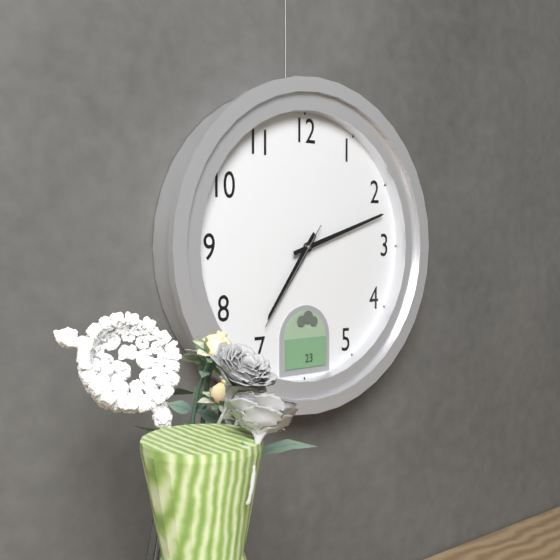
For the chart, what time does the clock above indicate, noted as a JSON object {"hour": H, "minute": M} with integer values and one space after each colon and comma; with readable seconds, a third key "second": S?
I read {"hour": 7, "minute": 12, "second": 36}
